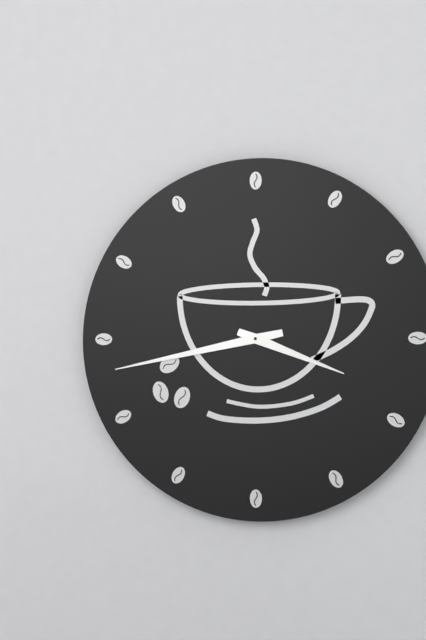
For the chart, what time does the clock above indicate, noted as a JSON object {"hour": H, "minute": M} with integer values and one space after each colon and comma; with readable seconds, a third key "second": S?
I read {"hour": 3, "minute": 43}
